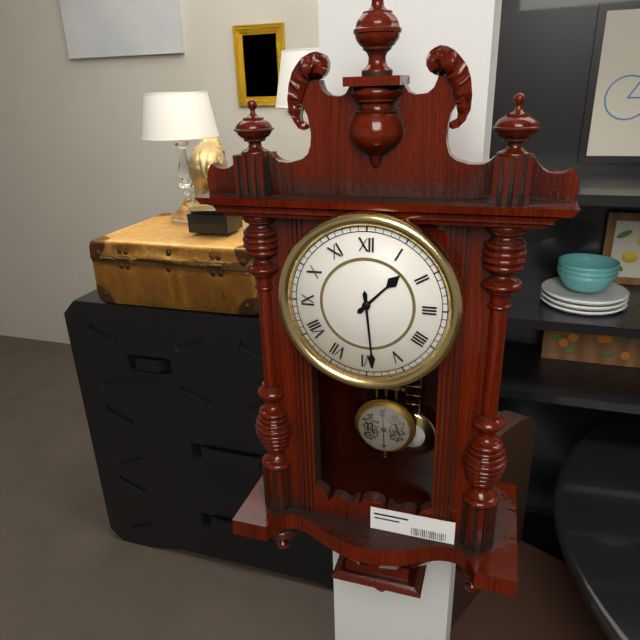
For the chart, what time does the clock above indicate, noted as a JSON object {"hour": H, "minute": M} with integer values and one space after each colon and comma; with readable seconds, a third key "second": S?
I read {"hour": 1, "minute": 29}
